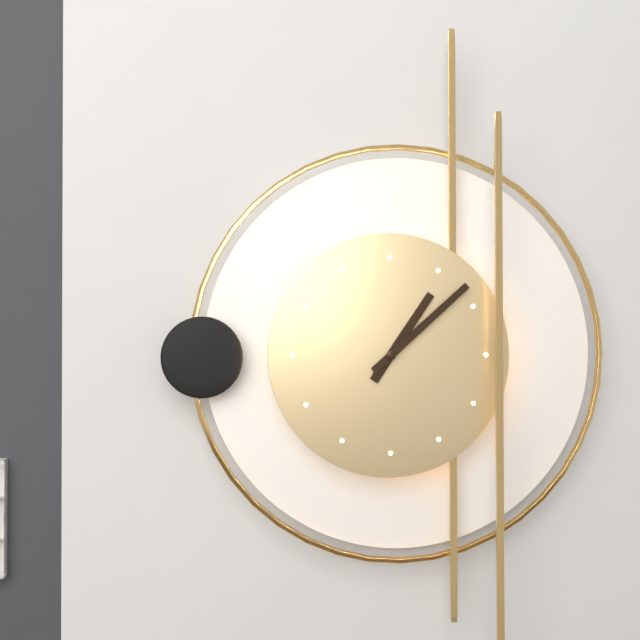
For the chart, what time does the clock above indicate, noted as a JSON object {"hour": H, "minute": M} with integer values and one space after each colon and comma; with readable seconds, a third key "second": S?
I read {"hour": 1, "minute": 8}
